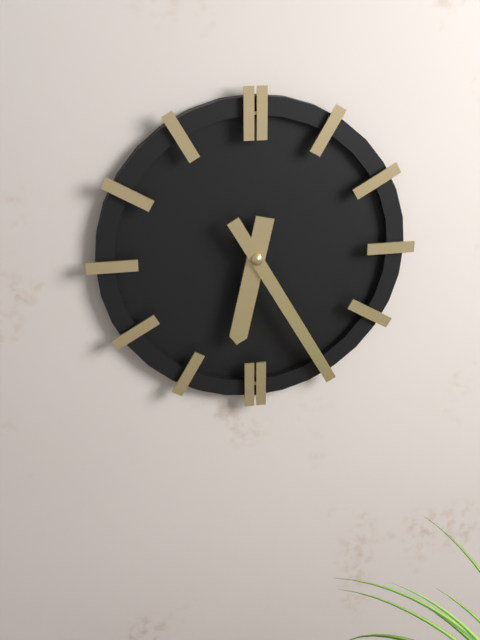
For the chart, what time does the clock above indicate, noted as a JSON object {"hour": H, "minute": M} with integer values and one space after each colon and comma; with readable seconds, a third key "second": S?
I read {"hour": 6, "minute": 25}
